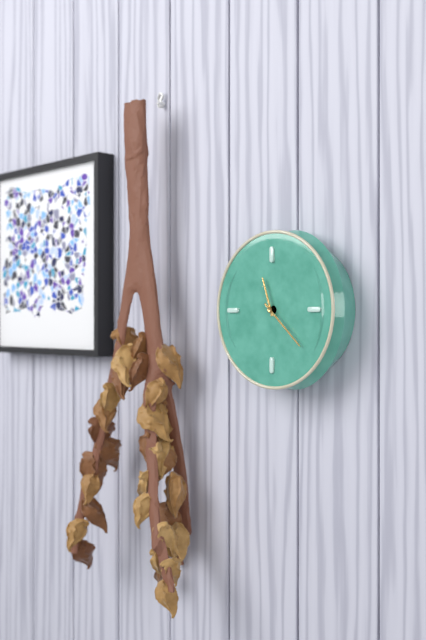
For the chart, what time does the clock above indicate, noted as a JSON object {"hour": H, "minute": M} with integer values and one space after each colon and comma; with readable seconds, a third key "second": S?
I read {"hour": 11, "minute": 22}
